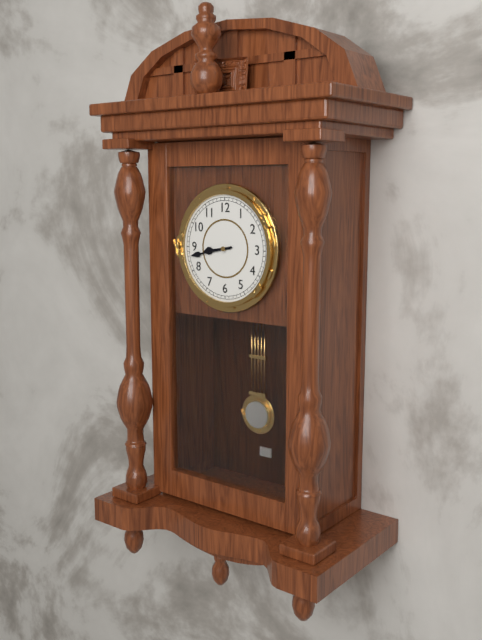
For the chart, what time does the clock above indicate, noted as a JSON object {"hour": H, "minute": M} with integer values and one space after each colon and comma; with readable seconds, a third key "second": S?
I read {"hour": 8, "minute": 43}
